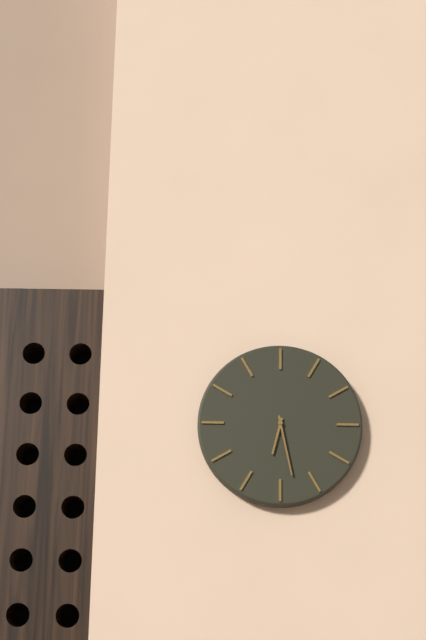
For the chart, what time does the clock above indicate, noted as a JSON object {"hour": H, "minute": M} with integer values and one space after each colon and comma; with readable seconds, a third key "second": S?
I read {"hour": 6, "minute": 28}
